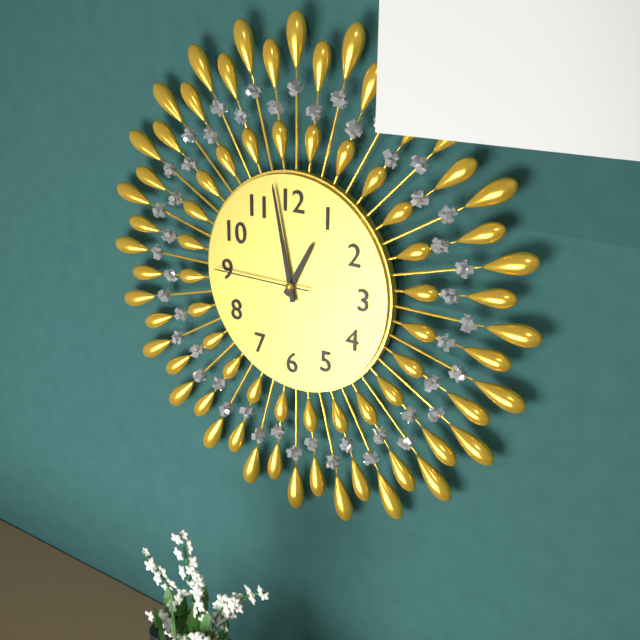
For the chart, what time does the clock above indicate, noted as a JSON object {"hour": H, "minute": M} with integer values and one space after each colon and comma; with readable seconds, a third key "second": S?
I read {"hour": 12, "minute": 58, "second": 45}
